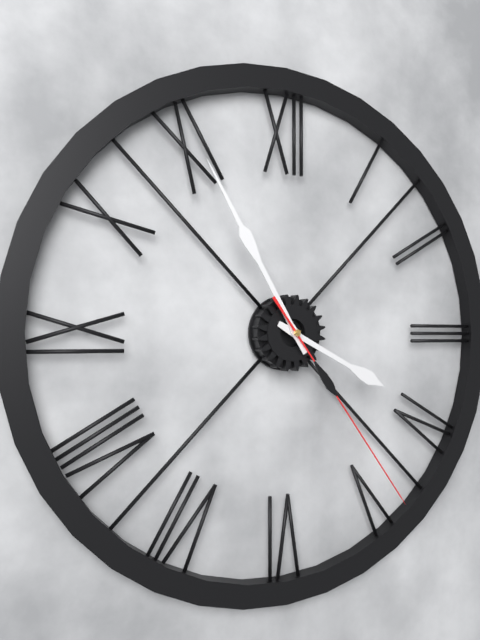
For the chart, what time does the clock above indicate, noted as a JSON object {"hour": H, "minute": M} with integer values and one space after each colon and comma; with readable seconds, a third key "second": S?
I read {"hour": 3, "minute": 55, "second": 24}
